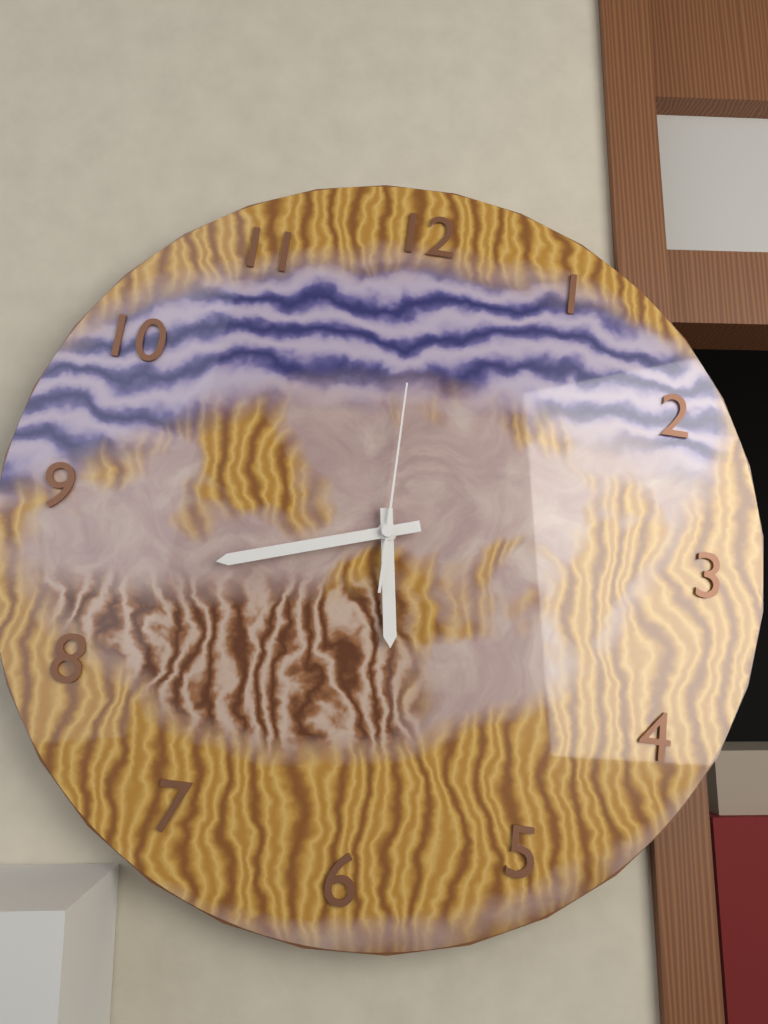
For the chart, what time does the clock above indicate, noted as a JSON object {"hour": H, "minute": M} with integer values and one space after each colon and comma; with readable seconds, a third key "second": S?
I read {"hour": 5, "minute": 42, "second": 0}
